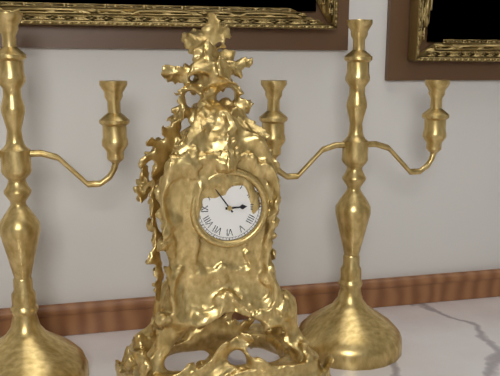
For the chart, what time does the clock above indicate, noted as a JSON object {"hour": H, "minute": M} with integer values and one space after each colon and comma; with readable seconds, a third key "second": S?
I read {"hour": 2, "minute": 54}
